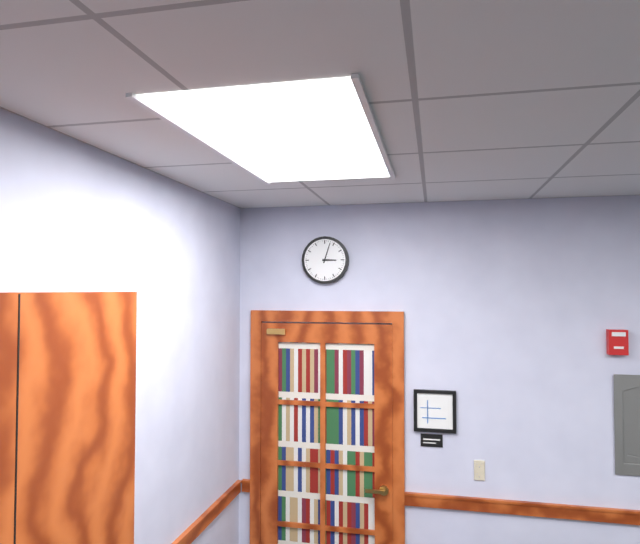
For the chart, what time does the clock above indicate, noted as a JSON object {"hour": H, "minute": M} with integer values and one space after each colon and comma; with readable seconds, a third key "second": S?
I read {"hour": 3, "minute": 3}
